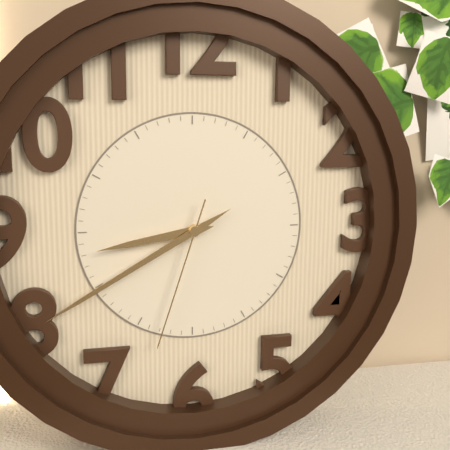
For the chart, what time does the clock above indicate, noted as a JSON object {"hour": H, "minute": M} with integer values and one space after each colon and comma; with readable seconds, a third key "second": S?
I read {"hour": 8, "minute": 40, "second": 33}
